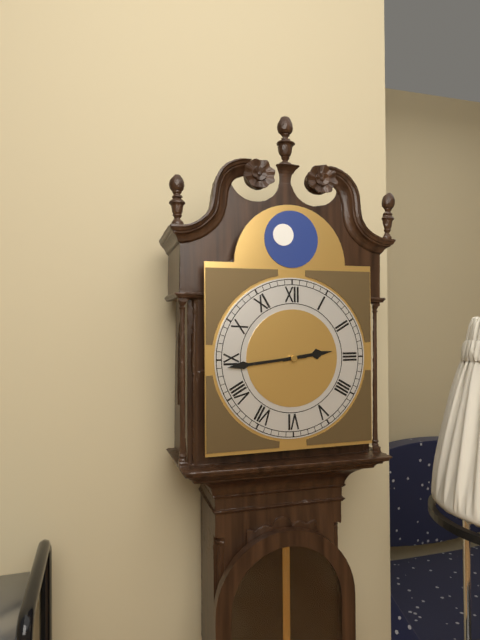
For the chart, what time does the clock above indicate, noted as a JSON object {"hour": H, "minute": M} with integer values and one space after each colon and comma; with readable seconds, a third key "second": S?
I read {"hour": 2, "minute": 44}
